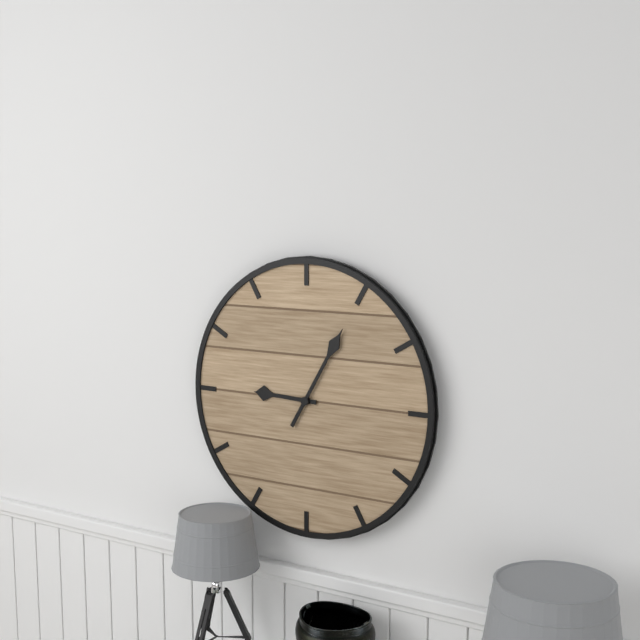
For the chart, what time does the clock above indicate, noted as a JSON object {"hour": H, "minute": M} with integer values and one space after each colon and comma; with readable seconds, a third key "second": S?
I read {"hour": 9, "minute": 5}
